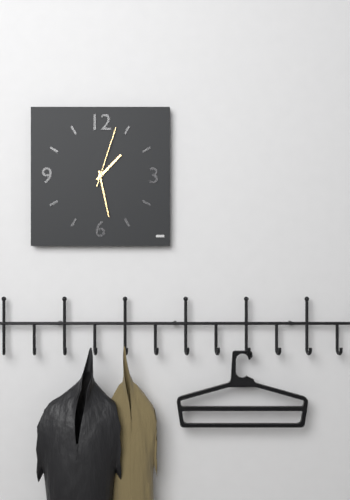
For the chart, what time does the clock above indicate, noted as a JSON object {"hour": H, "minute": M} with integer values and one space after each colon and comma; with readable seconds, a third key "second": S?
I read {"hour": 1, "minute": 28, "second": 3}
